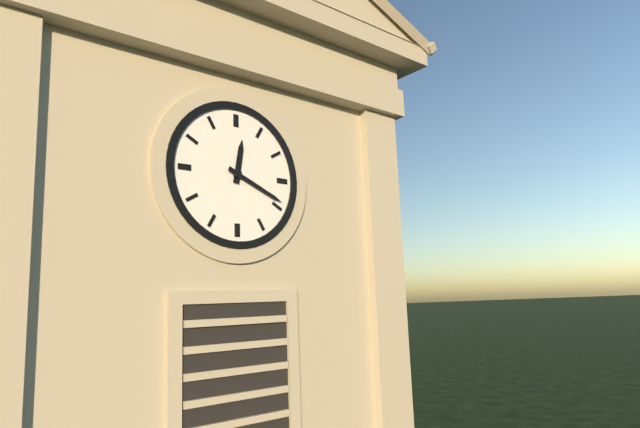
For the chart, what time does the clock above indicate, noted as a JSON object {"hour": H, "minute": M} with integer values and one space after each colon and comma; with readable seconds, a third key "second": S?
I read {"hour": 12, "minute": 19}
